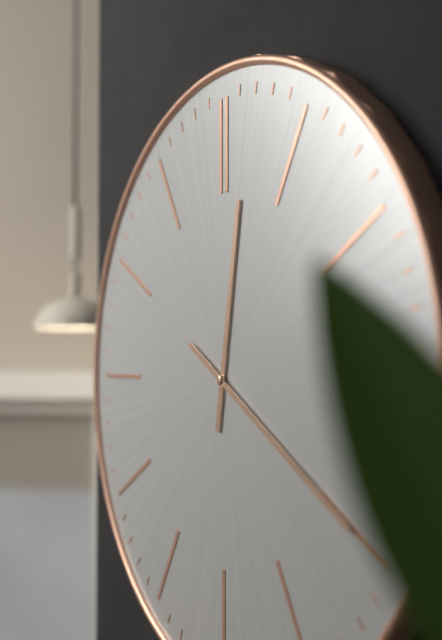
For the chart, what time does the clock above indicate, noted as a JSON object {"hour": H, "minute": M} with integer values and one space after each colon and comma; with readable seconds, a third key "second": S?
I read {"hour": 12, "minute": 20}
